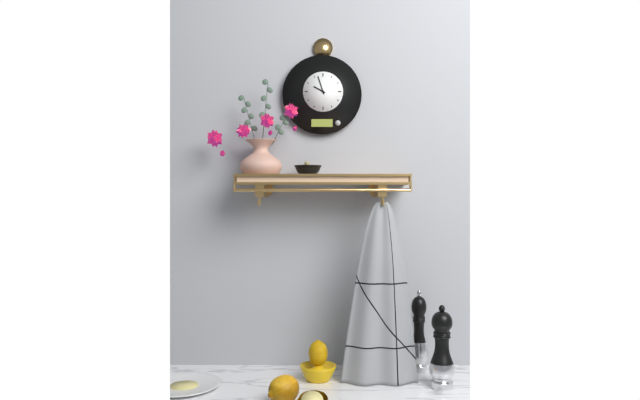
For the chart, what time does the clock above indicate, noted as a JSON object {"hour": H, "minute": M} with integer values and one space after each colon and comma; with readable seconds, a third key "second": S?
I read {"hour": 9, "minute": 57}
